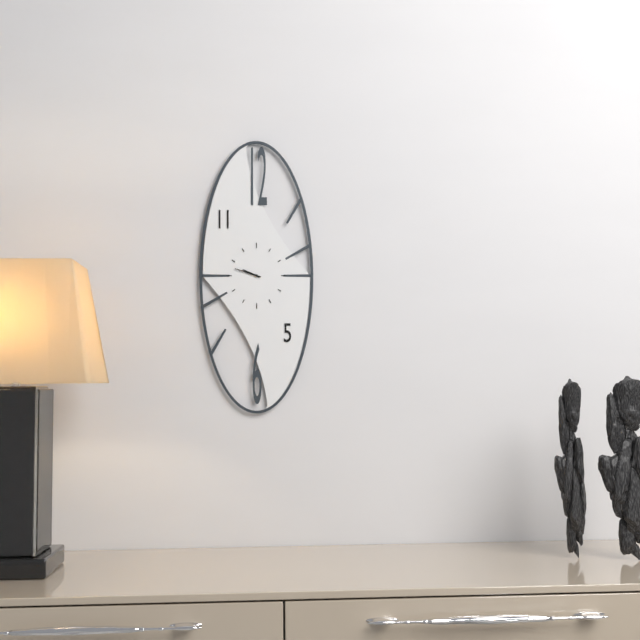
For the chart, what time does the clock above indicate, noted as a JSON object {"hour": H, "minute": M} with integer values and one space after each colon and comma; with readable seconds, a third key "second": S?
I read {"hour": 9, "minute": 48}
